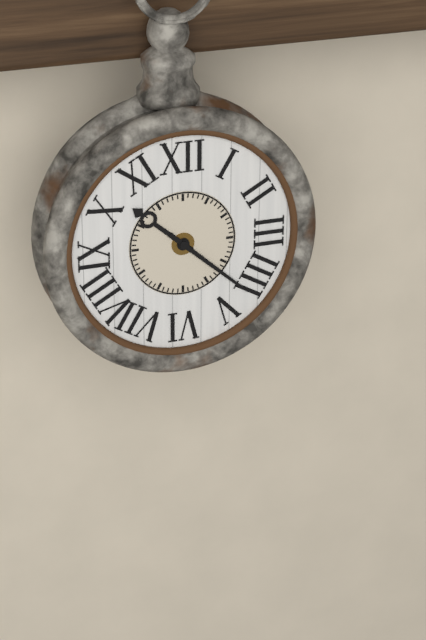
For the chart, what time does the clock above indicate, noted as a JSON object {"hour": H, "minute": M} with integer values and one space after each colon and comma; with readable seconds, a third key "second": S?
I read {"hour": 10, "minute": 22}
